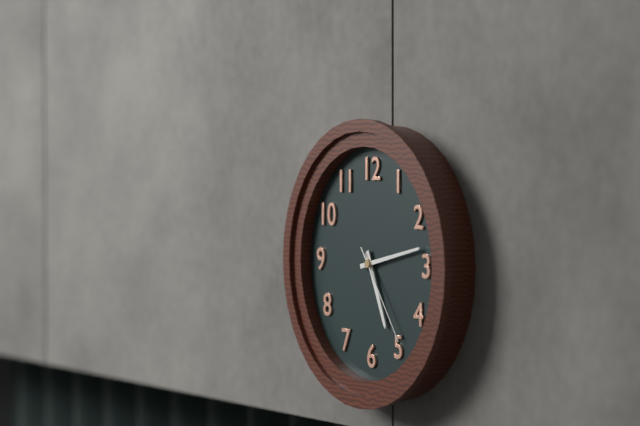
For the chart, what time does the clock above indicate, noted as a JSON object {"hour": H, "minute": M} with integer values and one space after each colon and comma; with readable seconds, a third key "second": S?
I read {"hour": 5, "minute": 13, "second": 24}
